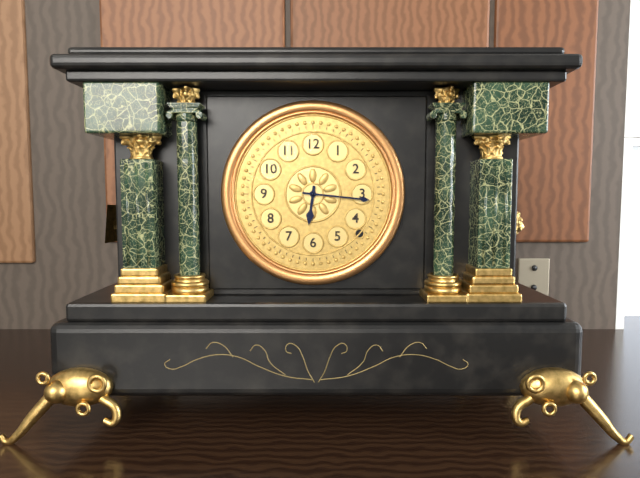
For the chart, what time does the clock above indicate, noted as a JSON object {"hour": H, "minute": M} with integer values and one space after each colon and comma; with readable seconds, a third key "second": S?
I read {"hour": 6, "minute": 16}
